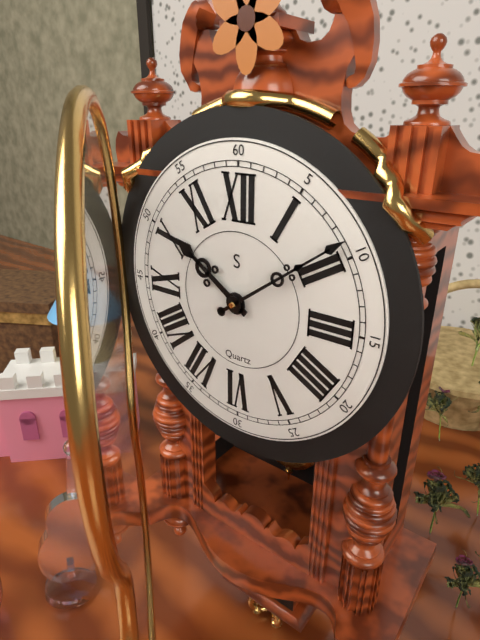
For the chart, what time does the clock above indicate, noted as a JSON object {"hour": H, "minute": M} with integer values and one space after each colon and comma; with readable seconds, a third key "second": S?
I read {"hour": 10, "minute": 9}
